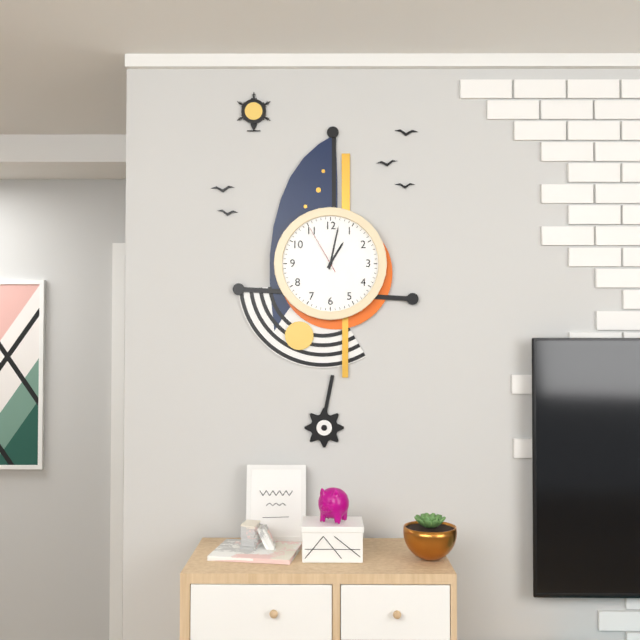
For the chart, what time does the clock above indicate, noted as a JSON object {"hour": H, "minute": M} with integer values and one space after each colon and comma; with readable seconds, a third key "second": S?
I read {"hour": 1, "minute": 2, "second": 55}
